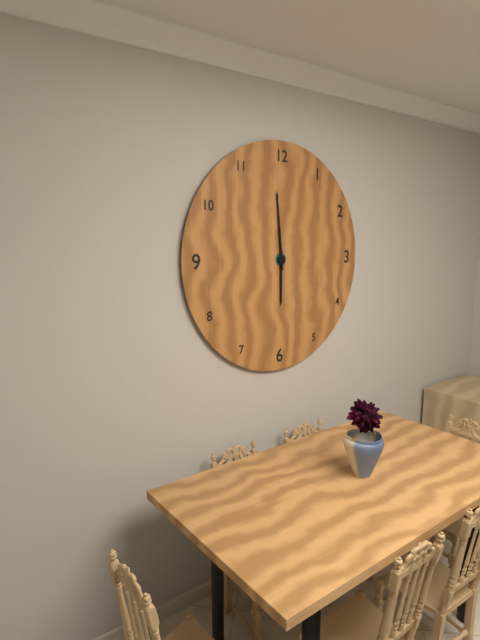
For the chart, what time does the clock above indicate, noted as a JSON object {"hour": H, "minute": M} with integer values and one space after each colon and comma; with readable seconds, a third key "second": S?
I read {"hour": 5, "minute": 59}
